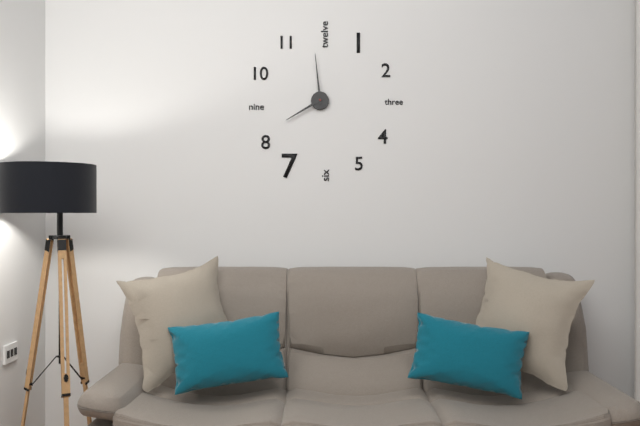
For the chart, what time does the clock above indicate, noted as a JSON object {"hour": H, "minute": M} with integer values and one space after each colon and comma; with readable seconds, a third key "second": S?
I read {"hour": 7, "minute": 59}
